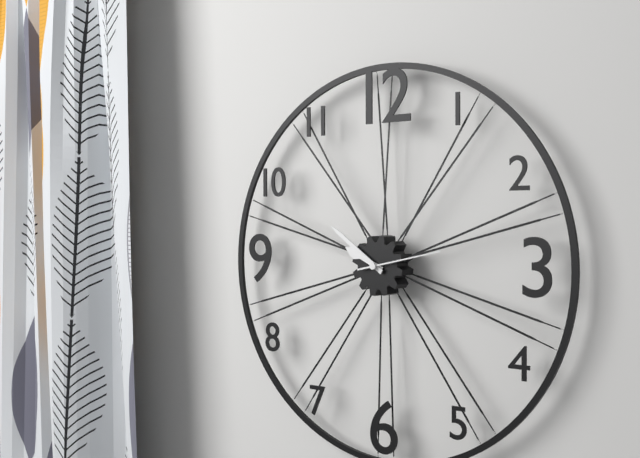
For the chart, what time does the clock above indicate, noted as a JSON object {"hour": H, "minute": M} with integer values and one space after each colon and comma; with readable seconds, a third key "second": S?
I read {"hour": 9, "minute": 51, "second": 13}
